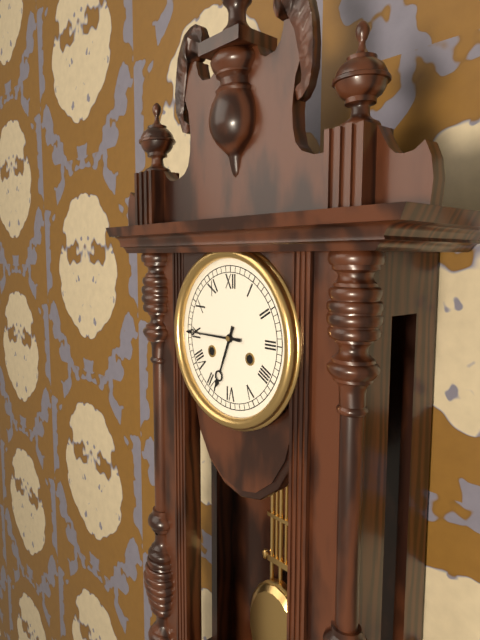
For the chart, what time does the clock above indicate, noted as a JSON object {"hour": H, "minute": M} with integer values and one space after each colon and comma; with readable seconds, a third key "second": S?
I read {"hour": 6, "minute": 45}
